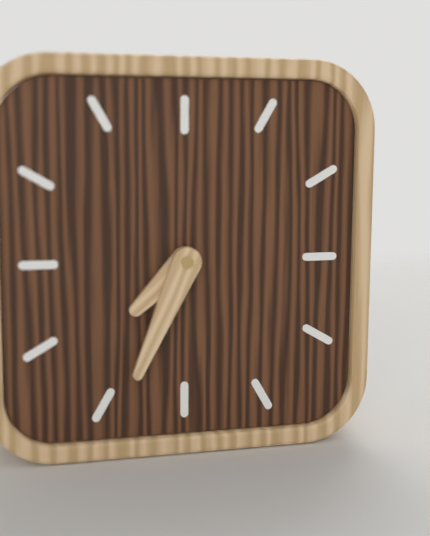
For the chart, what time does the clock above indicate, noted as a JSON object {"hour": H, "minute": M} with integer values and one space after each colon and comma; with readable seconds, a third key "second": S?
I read {"hour": 7, "minute": 34}
